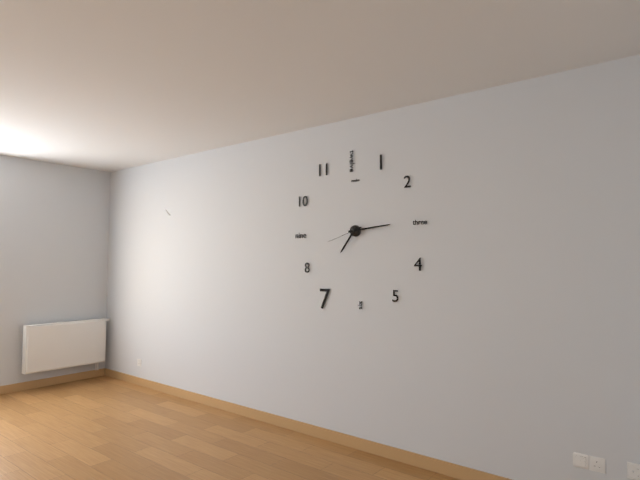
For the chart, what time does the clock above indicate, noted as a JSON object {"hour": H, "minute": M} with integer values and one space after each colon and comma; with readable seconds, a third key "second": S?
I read {"hour": 7, "minute": 14}
